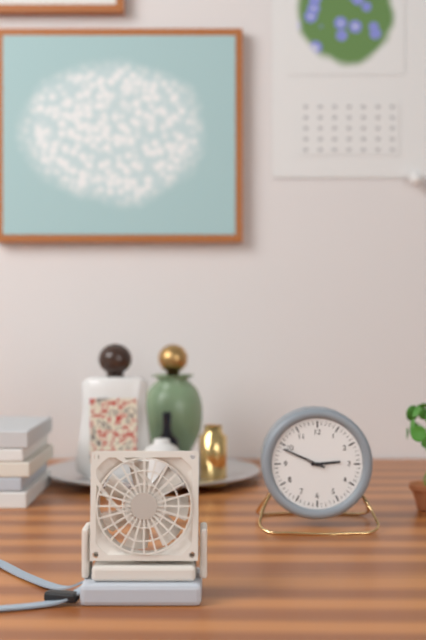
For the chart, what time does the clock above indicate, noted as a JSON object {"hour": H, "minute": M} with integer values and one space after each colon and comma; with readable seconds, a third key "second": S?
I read {"hour": 2, "minute": 49}
